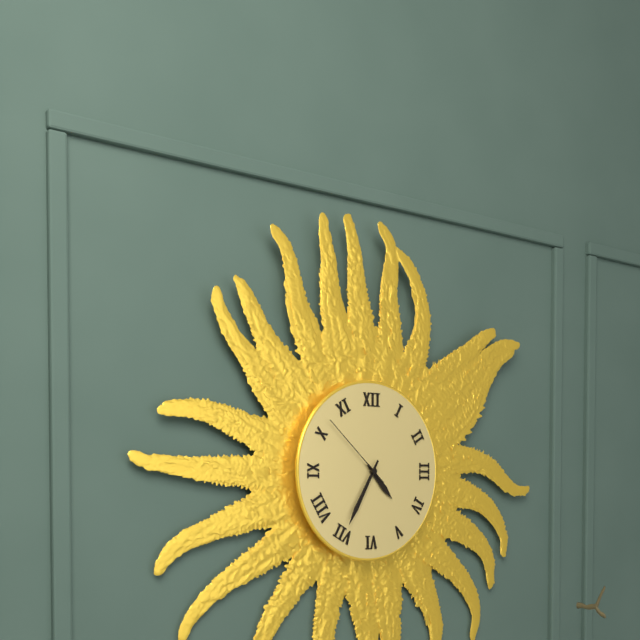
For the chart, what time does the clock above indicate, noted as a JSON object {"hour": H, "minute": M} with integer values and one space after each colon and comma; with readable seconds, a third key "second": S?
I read {"hour": 4, "minute": 35, "second": 52}
